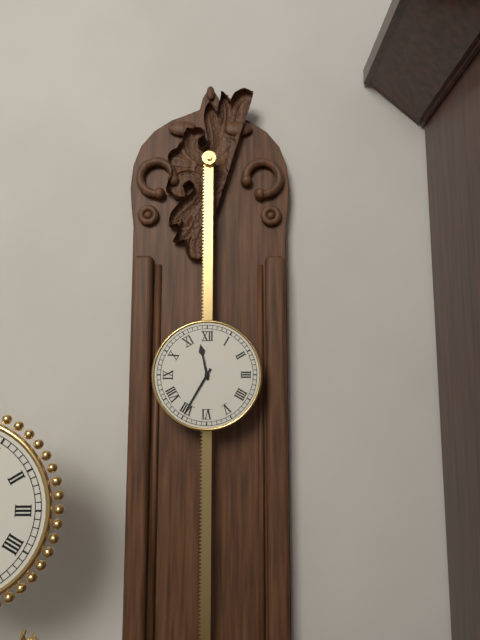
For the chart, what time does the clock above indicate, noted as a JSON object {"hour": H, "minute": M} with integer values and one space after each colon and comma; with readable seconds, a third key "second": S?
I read {"hour": 11, "minute": 35}
